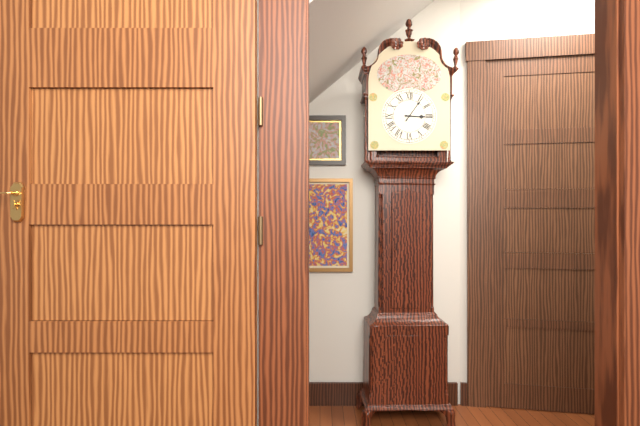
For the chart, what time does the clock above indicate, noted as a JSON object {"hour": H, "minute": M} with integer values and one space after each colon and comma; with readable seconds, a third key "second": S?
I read {"hour": 3, "minute": 6}
